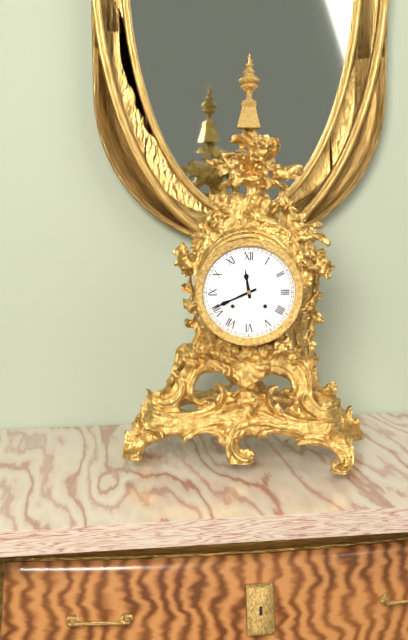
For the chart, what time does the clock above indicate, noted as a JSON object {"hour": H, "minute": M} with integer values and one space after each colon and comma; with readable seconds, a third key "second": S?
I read {"hour": 11, "minute": 41}
